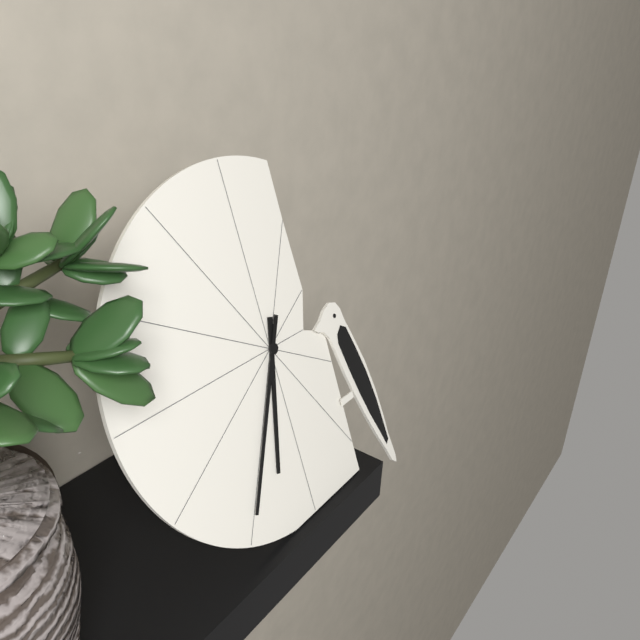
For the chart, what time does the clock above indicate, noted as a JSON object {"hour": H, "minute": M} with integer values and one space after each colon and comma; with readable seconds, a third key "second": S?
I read {"hour": 6, "minute": 35}
